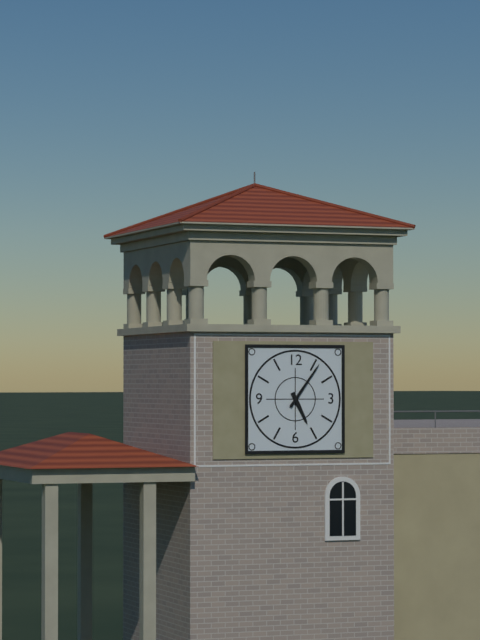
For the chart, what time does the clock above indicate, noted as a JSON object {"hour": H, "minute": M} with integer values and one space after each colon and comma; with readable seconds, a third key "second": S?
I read {"hour": 5, "minute": 6}
